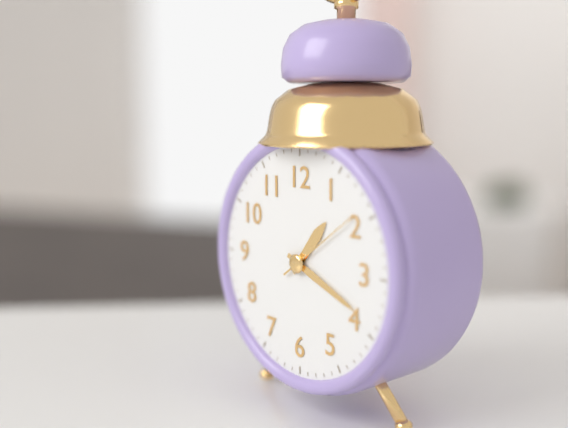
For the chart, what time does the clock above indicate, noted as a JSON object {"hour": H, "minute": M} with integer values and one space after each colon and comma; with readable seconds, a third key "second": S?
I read {"hour": 1, "minute": 19, "second": 9}
